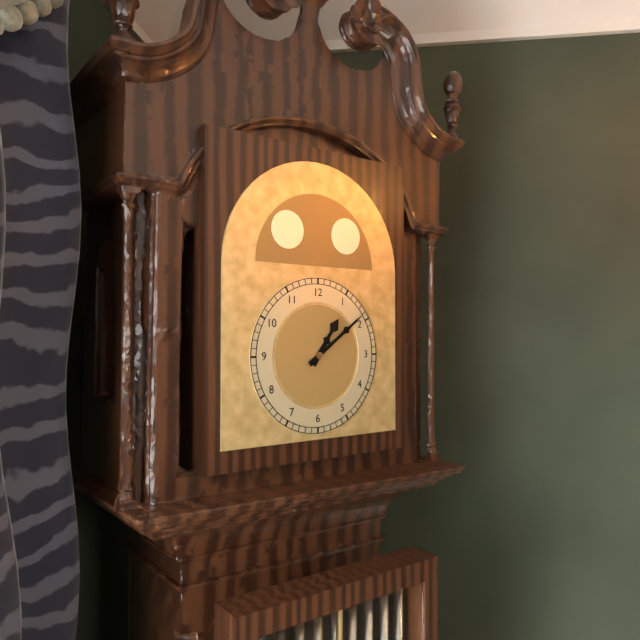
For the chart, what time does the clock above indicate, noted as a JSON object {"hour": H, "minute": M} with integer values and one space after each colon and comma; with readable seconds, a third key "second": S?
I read {"hour": 1, "minute": 9}
